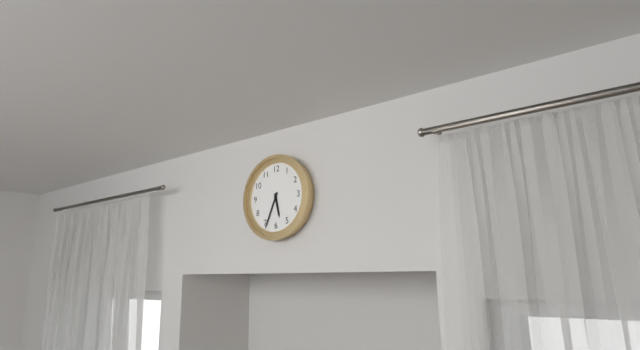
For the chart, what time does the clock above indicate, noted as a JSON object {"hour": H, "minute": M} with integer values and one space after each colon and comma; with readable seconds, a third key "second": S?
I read {"hour": 5, "minute": 34}
